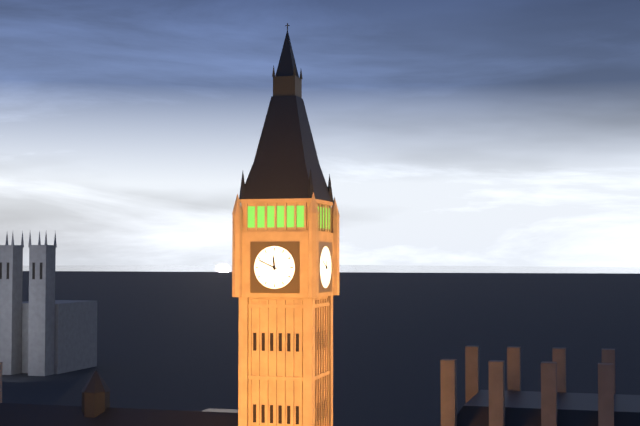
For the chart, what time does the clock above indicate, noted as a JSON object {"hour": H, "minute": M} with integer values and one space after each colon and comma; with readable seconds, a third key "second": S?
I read {"hour": 11, "minute": 49}
